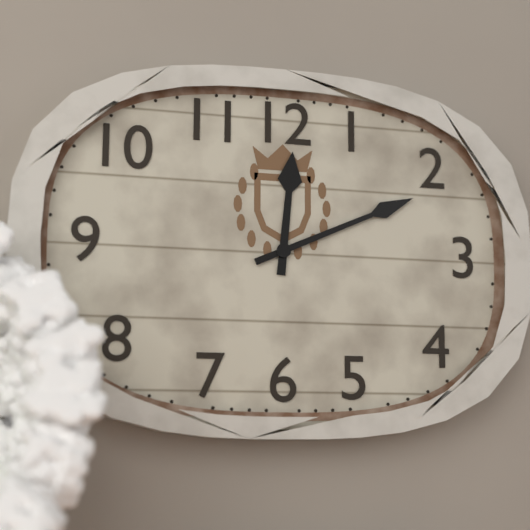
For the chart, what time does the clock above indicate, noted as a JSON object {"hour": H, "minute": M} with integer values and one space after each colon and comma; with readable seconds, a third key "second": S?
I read {"hour": 12, "minute": 11}
